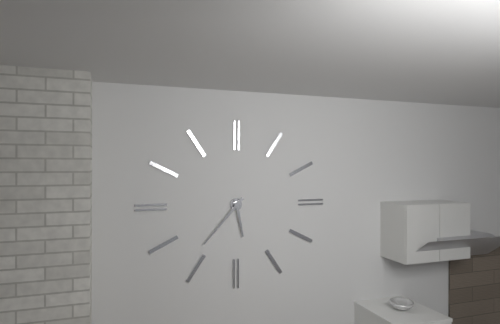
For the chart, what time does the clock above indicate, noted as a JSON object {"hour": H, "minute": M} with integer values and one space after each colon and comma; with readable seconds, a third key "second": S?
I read {"hour": 5, "minute": 37}
